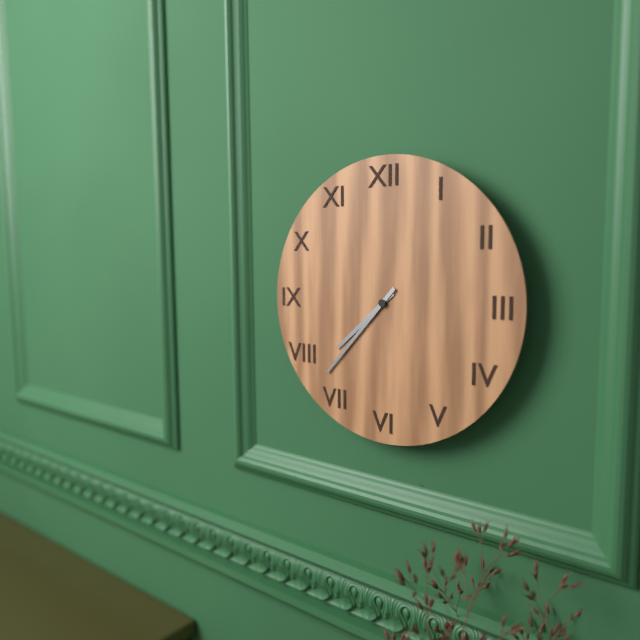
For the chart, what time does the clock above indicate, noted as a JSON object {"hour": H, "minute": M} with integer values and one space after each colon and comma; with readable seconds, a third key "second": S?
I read {"hour": 7, "minute": 37}
